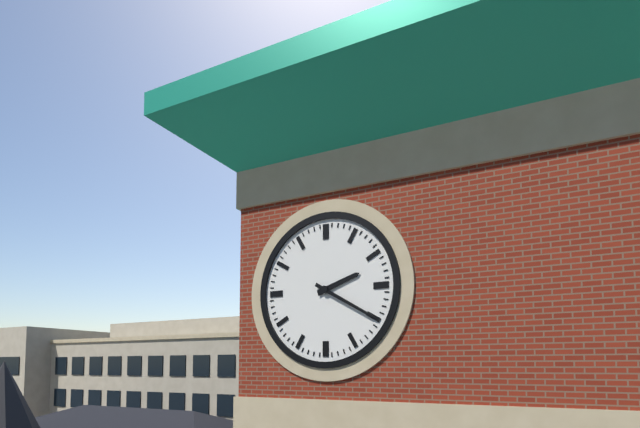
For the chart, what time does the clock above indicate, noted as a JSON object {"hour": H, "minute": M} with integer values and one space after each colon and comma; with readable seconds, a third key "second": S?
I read {"hour": 2, "minute": 20}
